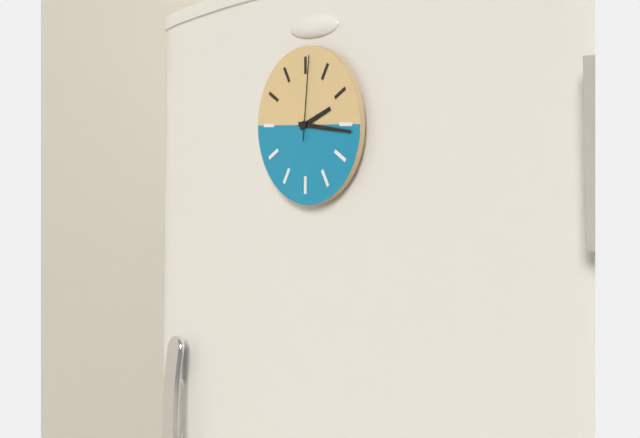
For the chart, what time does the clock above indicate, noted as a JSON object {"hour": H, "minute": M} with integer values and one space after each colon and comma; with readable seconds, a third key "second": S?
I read {"hour": 2, "minute": 16, "second": 1}
